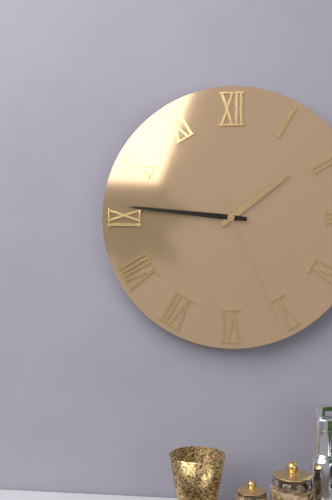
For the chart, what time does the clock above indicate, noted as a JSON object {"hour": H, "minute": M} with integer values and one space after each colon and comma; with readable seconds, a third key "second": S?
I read {"hour": 1, "minute": 46, "second": 26}
